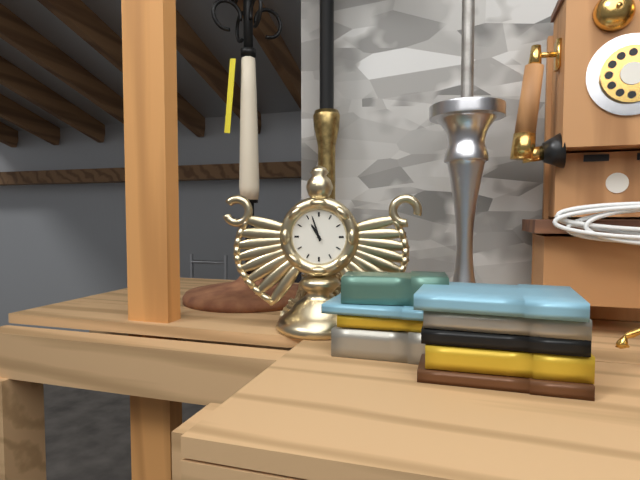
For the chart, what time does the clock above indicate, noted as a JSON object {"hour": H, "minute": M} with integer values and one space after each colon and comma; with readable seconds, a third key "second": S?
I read {"hour": 10, "minute": 57}
